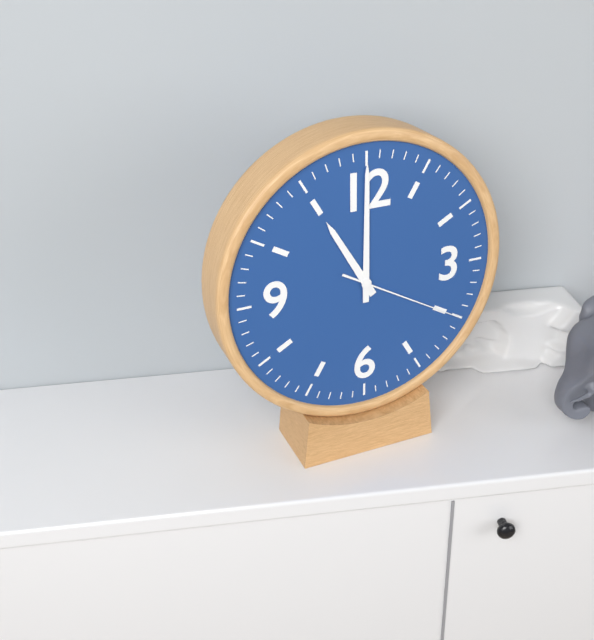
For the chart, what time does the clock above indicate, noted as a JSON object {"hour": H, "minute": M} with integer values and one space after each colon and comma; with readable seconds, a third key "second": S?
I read {"hour": 11, "minute": 0, "second": 20}
